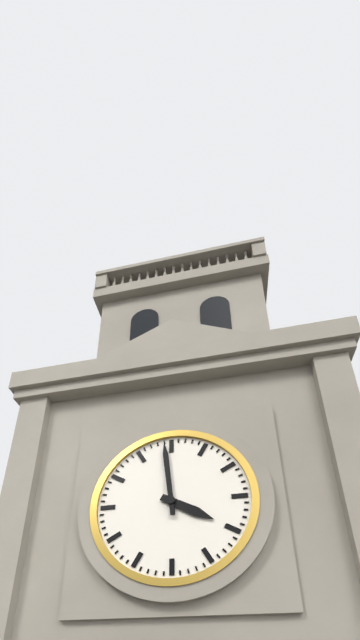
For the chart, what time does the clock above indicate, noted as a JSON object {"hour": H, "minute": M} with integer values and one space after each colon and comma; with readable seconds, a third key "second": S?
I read {"hour": 3, "minute": 59}
